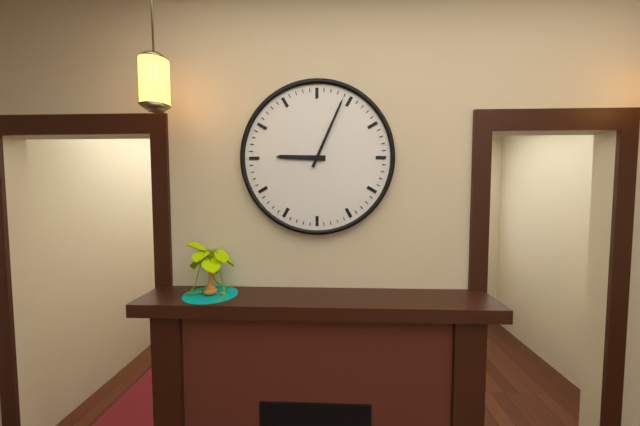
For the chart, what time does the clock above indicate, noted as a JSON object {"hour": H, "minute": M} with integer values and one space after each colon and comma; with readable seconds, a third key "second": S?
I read {"hour": 9, "minute": 4}
